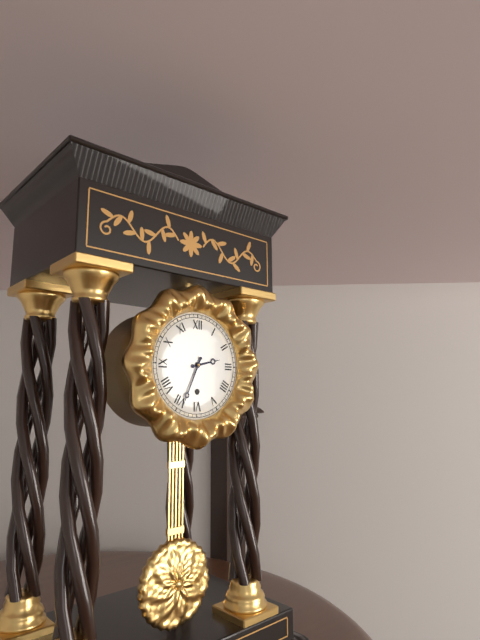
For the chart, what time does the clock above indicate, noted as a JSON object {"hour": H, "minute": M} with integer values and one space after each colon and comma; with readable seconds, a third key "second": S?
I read {"hour": 2, "minute": 34}
